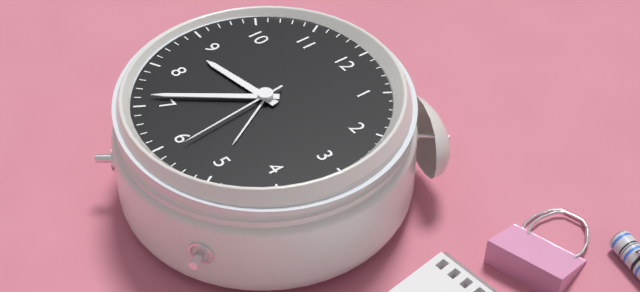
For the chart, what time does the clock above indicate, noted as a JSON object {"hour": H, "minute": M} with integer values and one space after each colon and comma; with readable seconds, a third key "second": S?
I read {"hour": 8, "minute": 36, "second": 29}
